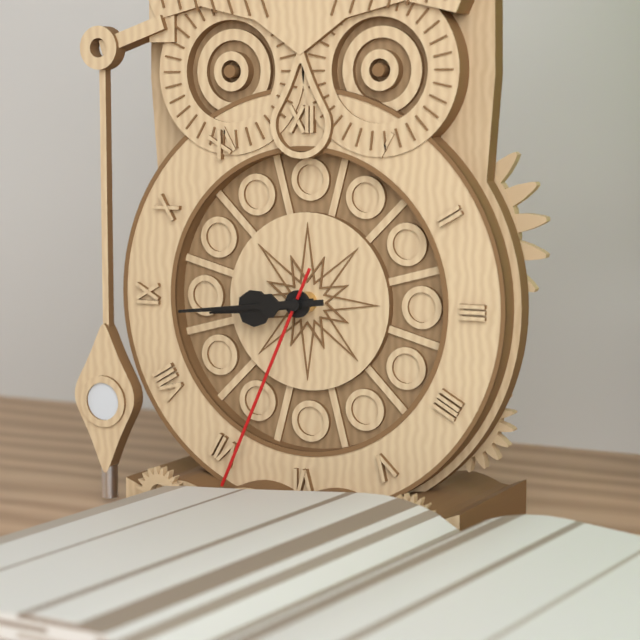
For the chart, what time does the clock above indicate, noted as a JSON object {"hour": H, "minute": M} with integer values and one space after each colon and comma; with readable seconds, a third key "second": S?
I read {"hour": 8, "minute": 44, "second": 34}
